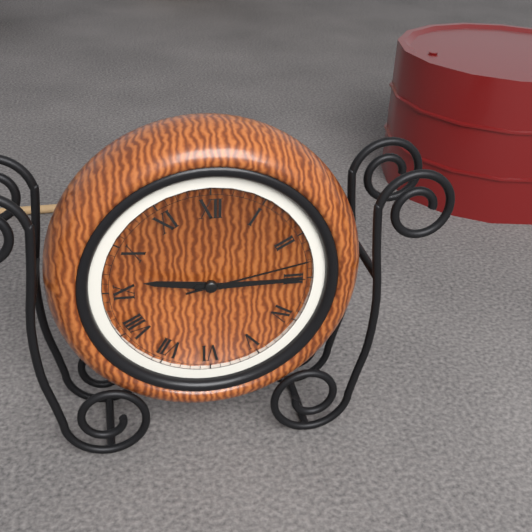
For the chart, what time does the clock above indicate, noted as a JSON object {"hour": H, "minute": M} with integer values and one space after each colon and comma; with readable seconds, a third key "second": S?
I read {"hour": 9, "minute": 15, "second": 13}
